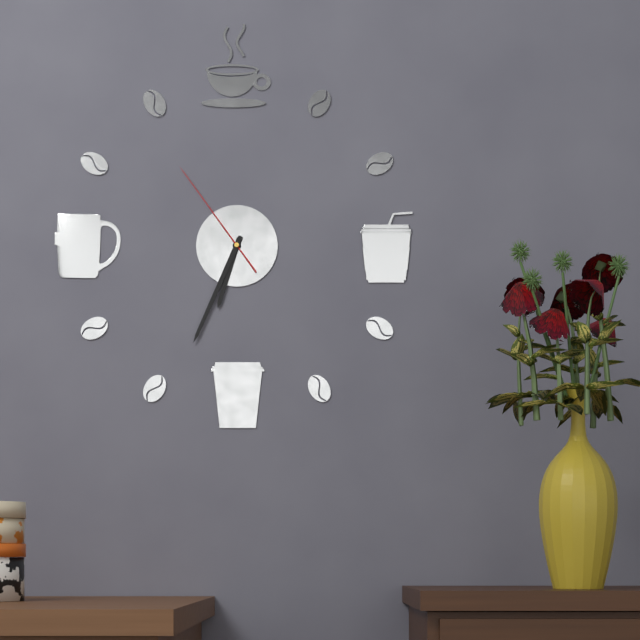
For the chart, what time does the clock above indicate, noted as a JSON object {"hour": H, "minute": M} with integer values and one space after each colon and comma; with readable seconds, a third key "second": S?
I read {"hour": 6, "minute": 34, "second": 54}
